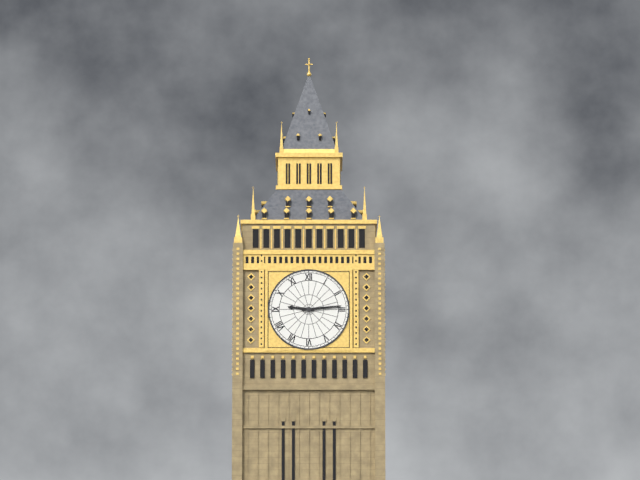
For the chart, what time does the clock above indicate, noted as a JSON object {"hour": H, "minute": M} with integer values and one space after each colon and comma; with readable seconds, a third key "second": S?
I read {"hour": 9, "minute": 14}
